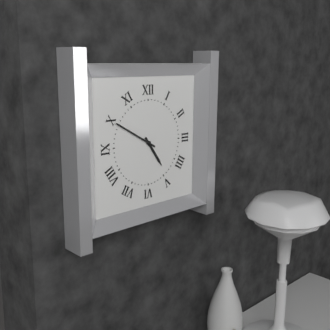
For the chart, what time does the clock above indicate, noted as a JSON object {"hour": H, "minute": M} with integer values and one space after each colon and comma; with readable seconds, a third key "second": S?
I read {"hour": 4, "minute": 50}
